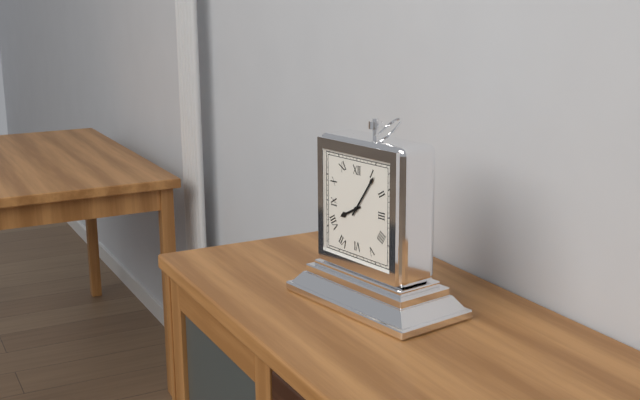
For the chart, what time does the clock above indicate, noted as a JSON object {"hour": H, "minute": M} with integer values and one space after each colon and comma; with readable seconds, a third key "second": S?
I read {"hour": 8, "minute": 6}
